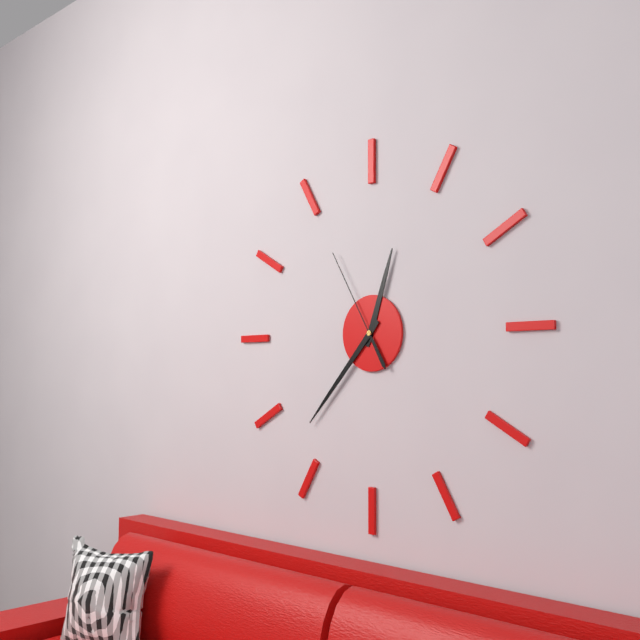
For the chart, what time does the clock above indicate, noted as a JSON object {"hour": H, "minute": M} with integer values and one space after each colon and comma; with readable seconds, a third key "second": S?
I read {"hour": 12, "minute": 37, "second": 55}
